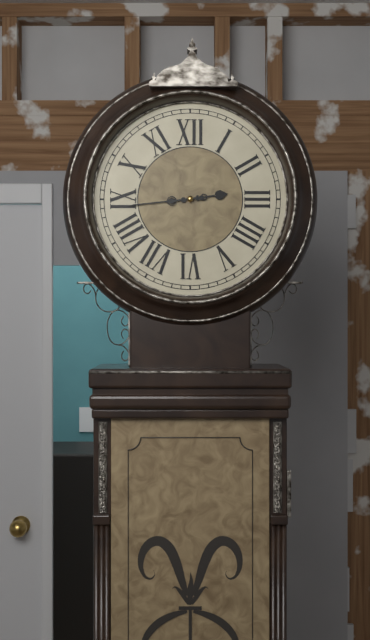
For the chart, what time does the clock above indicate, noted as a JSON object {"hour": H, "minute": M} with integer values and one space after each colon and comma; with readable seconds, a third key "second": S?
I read {"hour": 2, "minute": 44}
